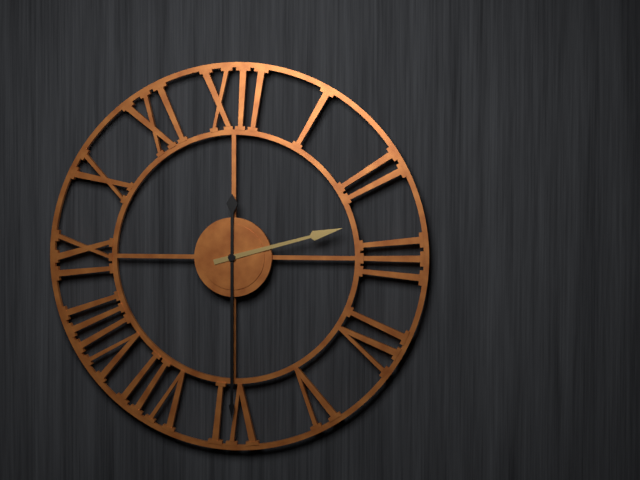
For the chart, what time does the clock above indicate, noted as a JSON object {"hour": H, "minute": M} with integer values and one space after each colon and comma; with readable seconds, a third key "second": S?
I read {"hour": 2, "minute": 30}
